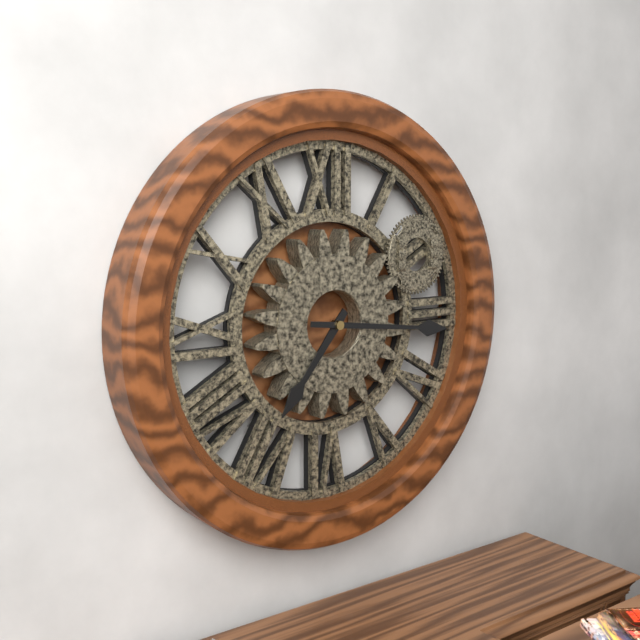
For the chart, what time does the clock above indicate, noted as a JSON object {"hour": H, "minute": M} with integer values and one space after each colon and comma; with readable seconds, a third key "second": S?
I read {"hour": 7, "minute": 16}
